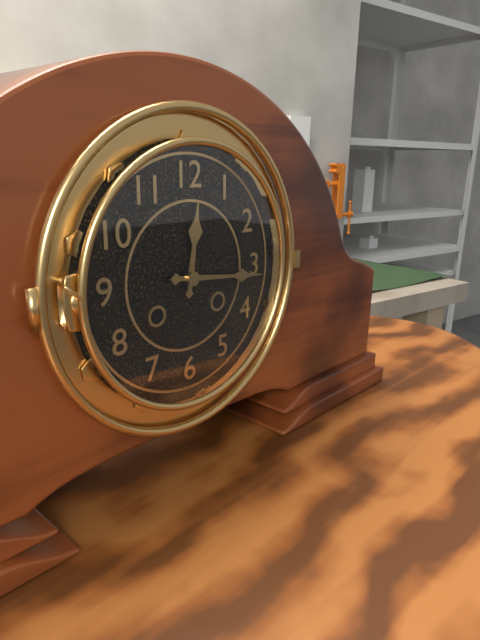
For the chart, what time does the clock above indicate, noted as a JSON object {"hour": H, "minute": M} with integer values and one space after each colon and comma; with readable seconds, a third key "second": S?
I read {"hour": 12, "minute": 16}
